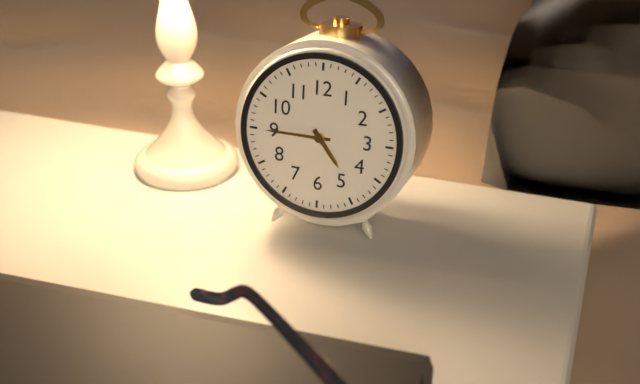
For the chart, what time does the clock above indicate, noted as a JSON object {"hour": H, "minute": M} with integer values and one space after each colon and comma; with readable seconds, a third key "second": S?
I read {"hour": 4, "minute": 45}
